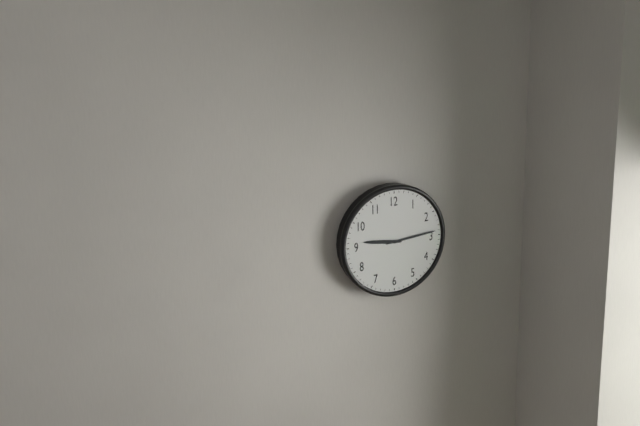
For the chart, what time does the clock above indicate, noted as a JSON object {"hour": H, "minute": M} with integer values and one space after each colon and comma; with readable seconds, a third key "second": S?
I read {"hour": 9, "minute": 14}
